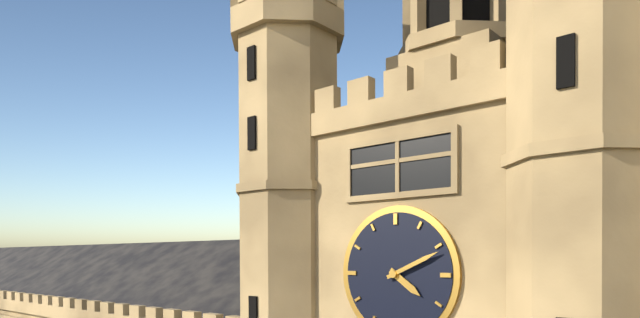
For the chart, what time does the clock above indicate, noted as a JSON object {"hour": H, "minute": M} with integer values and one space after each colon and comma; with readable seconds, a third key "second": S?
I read {"hour": 4, "minute": 11}
